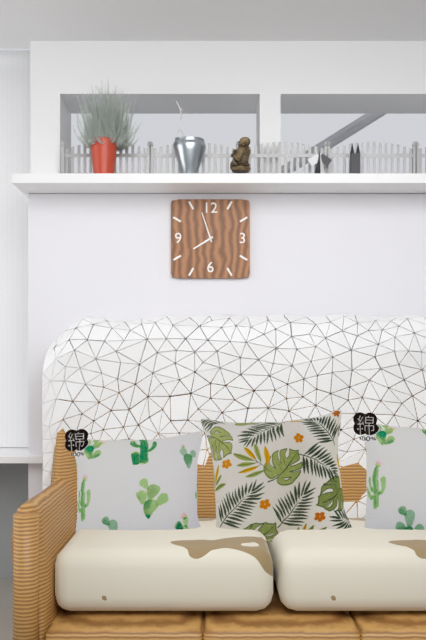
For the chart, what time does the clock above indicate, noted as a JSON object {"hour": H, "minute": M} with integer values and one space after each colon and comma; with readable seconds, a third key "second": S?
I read {"hour": 7, "minute": 57}
